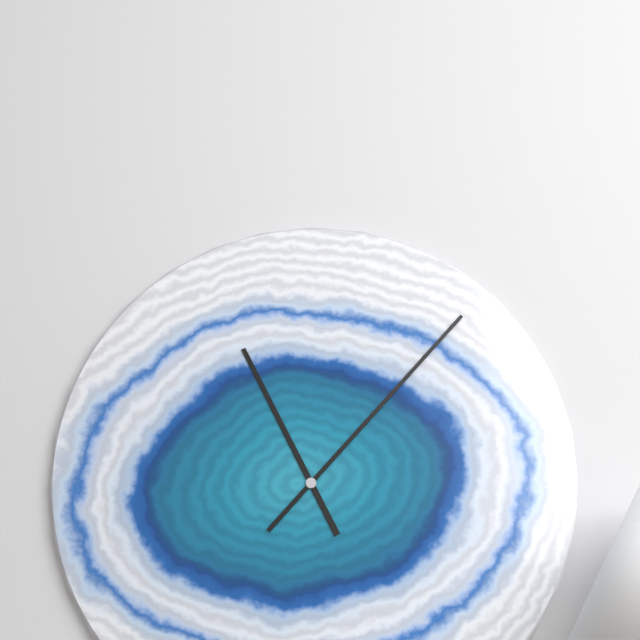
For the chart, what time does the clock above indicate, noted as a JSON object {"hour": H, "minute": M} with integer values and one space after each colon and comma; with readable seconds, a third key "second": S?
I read {"hour": 11, "minute": 7}
